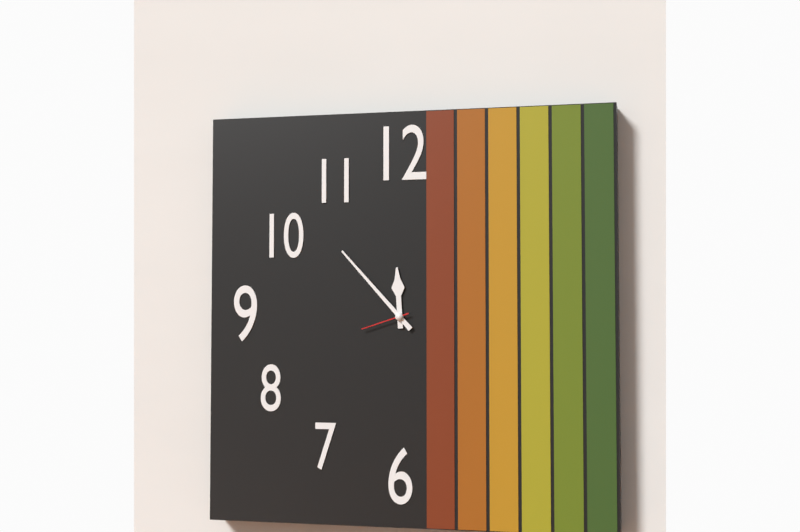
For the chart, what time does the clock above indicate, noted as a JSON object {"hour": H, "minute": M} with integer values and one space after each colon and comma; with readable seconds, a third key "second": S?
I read {"hour": 11, "minute": 53}
